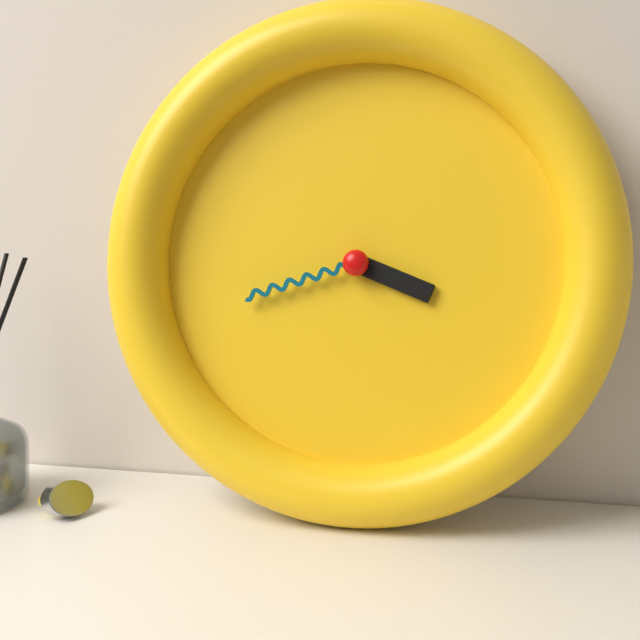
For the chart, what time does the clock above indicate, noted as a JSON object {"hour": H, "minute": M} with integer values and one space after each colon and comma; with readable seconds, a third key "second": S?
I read {"hour": 3, "minute": 42}
